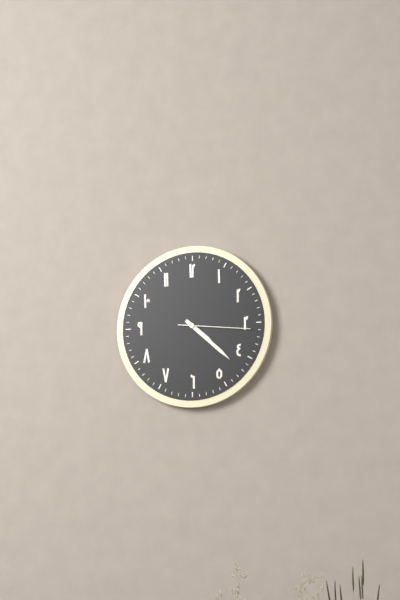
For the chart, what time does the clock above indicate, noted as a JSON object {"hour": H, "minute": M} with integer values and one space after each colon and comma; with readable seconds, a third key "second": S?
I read {"hour": 4, "minute": 22, "second": 16}
